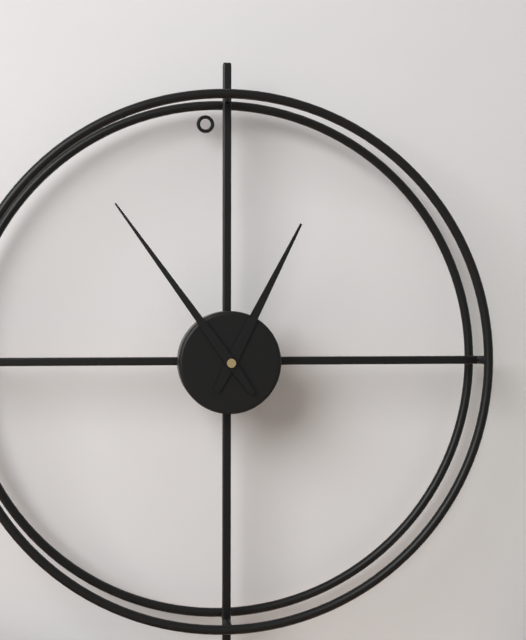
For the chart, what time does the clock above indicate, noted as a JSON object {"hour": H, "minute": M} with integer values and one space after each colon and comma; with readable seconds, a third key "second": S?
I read {"hour": 12, "minute": 54}
